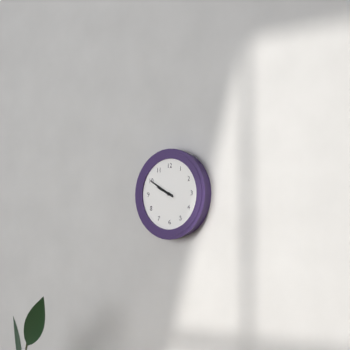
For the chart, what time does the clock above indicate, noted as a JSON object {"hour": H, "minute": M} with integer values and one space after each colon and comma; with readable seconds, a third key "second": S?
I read {"hour": 9, "minute": 50}
